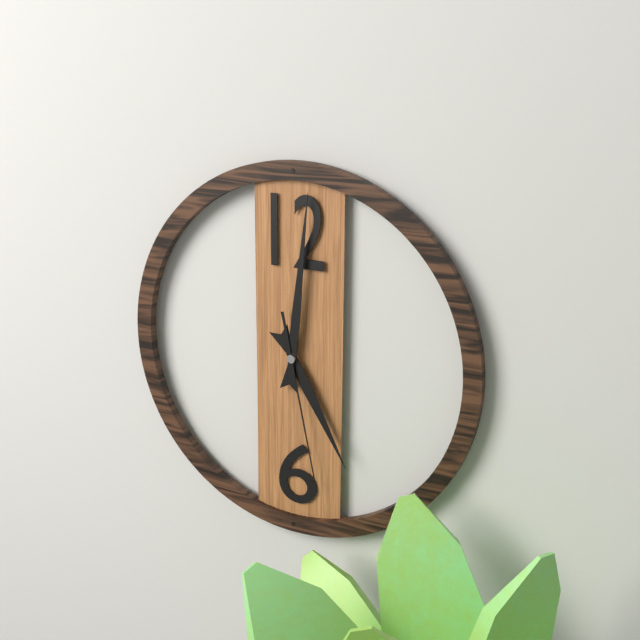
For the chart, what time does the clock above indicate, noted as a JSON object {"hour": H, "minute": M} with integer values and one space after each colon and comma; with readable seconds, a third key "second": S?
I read {"hour": 5, "minute": 1, "second": 28}
